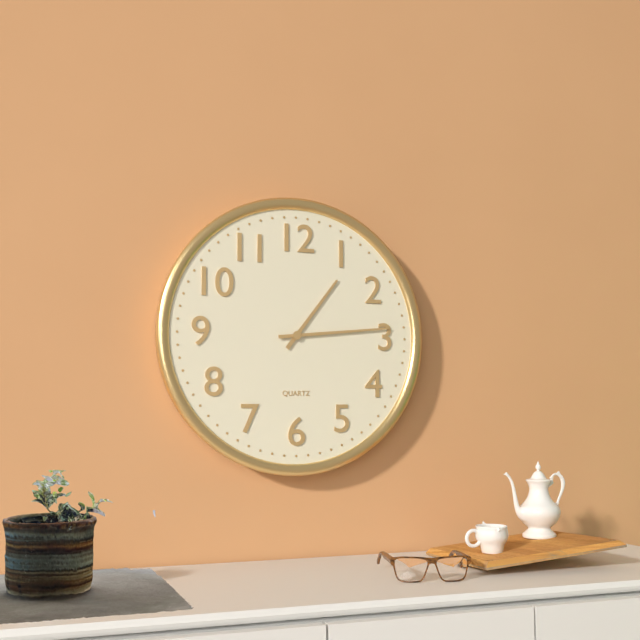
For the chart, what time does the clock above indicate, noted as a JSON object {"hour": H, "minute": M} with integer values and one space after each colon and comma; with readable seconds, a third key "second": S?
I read {"hour": 1, "minute": 14}
